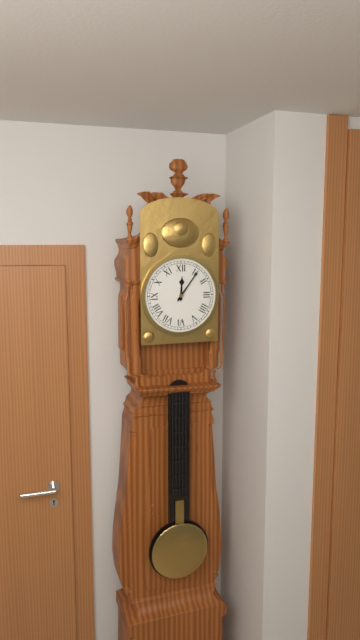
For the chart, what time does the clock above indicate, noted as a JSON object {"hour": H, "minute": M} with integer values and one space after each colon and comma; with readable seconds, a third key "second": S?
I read {"hour": 12, "minute": 6}
